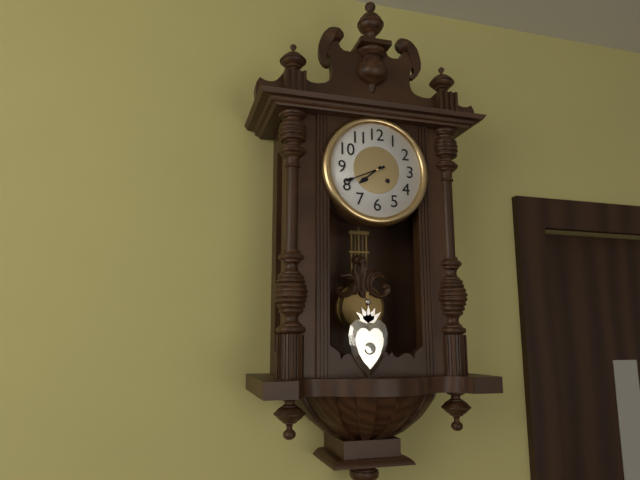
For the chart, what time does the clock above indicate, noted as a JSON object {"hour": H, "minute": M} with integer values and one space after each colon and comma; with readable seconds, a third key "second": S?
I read {"hour": 7, "minute": 41}
